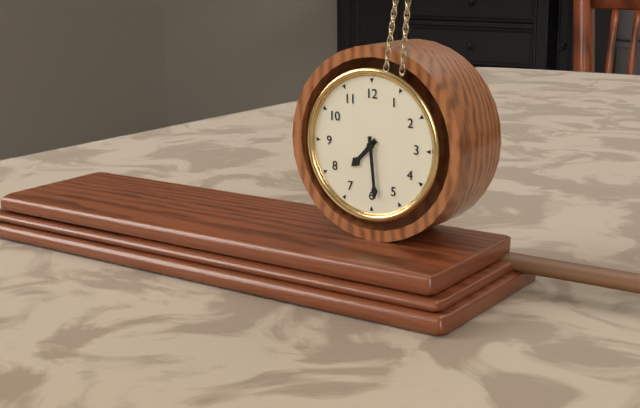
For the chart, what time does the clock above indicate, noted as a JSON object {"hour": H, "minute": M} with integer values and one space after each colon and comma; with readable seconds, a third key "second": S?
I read {"hour": 7, "minute": 29}
